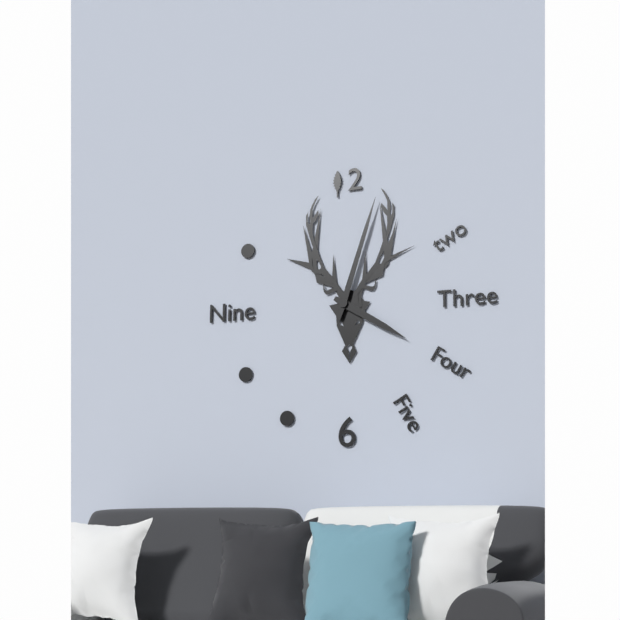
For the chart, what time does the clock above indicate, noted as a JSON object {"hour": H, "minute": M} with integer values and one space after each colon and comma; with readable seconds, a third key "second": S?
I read {"hour": 4, "minute": 3}
